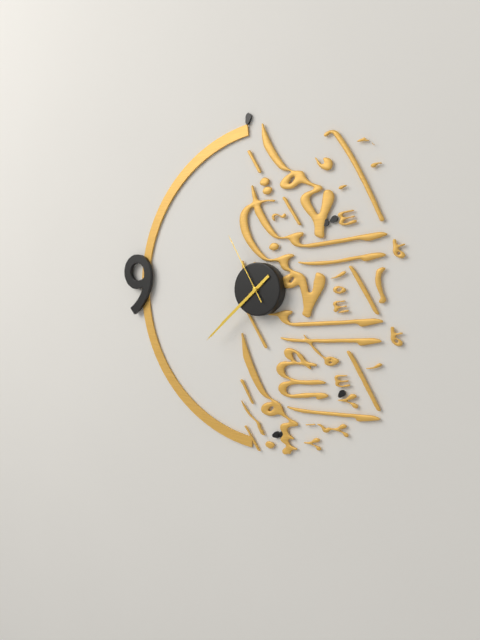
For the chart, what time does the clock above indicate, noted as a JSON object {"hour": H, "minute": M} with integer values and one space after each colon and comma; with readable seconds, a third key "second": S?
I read {"hour": 7, "minute": 38, "second": 55}
